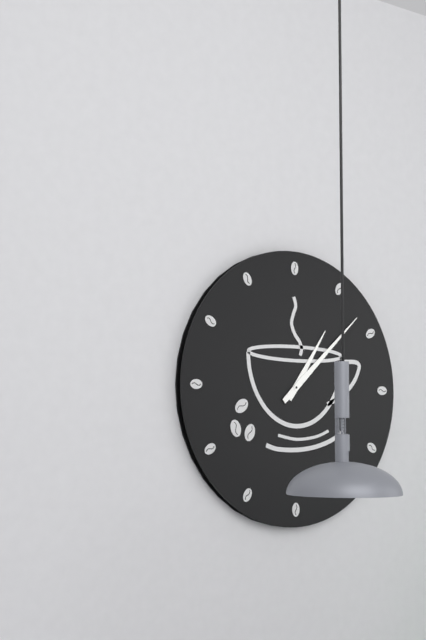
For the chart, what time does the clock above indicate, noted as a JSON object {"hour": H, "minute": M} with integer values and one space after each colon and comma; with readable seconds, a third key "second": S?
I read {"hour": 1, "minute": 8}
